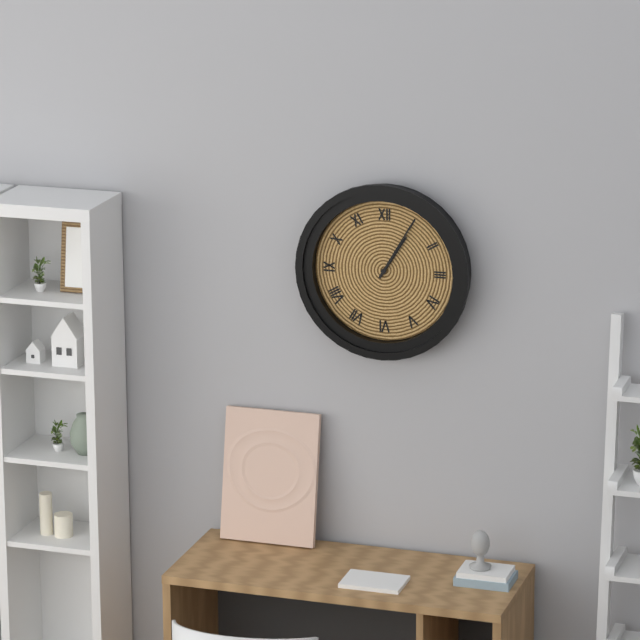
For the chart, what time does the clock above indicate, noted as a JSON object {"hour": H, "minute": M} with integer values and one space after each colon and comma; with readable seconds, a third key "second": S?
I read {"hour": 1, "minute": 5}
